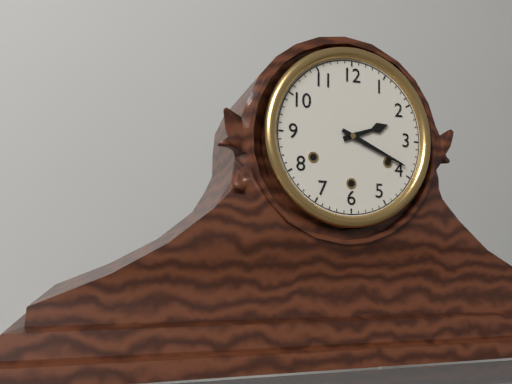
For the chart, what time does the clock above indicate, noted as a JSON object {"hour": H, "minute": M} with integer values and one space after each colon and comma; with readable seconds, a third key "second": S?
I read {"hour": 2, "minute": 19}
